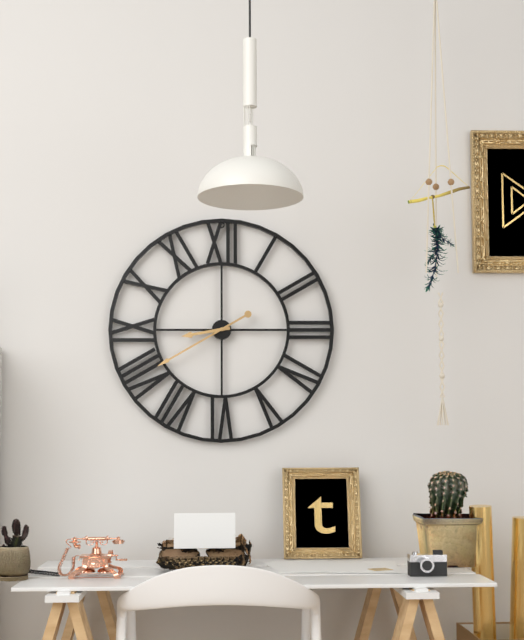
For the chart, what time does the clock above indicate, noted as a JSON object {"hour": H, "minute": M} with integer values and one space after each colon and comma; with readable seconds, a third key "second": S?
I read {"hour": 8, "minute": 40}
